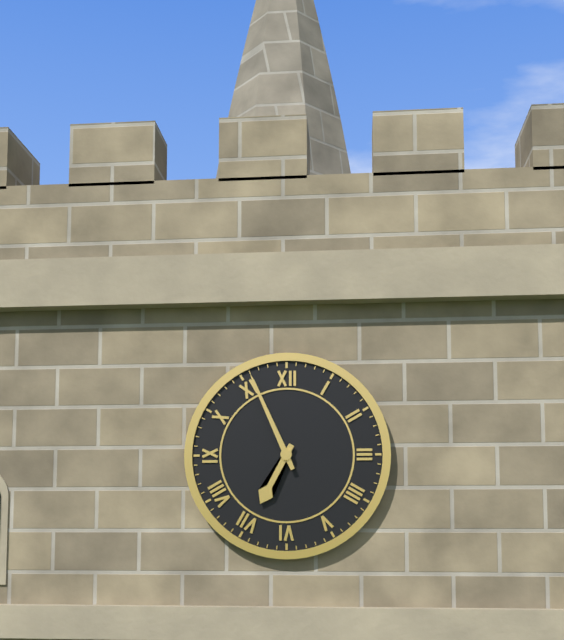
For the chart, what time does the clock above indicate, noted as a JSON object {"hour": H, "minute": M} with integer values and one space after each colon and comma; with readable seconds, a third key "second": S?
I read {"hour": 6, "minute": 56}
